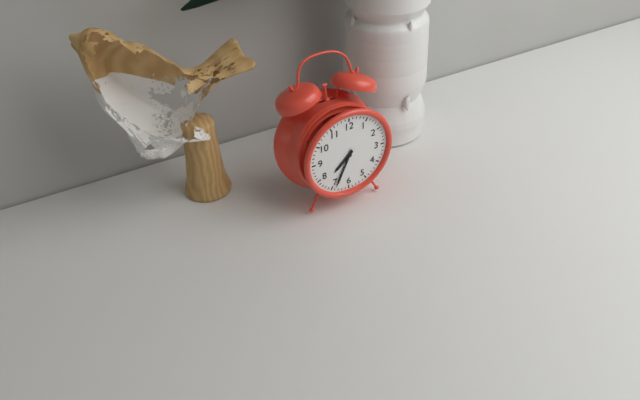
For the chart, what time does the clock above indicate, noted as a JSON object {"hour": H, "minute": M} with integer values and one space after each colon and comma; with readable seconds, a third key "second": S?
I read {"hour": 7, "minute": 34}
